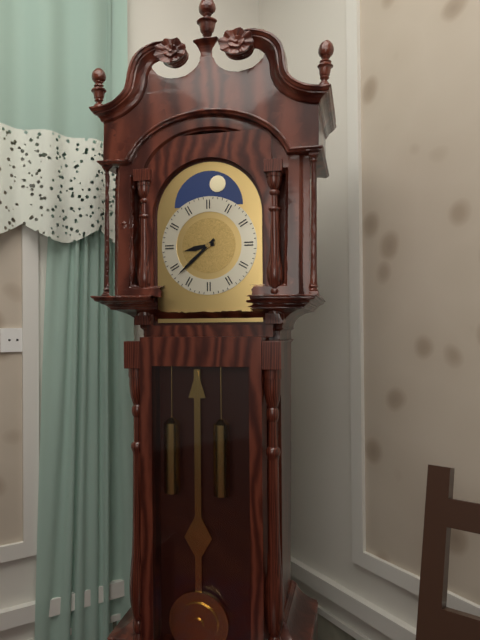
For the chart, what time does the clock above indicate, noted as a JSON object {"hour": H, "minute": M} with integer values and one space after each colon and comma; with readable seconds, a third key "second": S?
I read {"hour": 8, "minute": 38}
